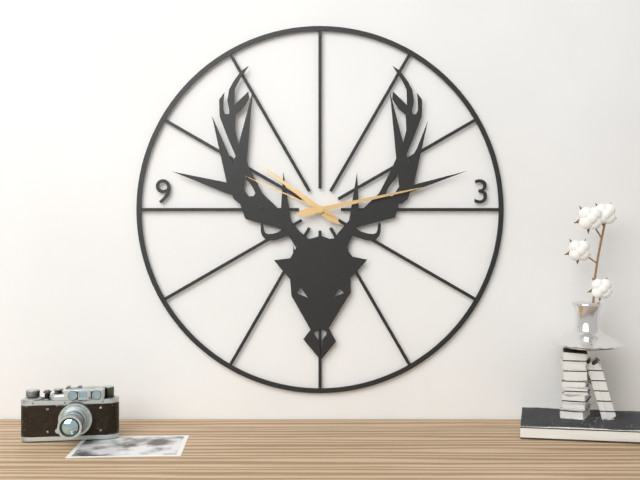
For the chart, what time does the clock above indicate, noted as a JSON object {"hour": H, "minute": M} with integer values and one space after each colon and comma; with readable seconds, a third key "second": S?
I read {"hour": 10, "minute": 13, "second": 49}
